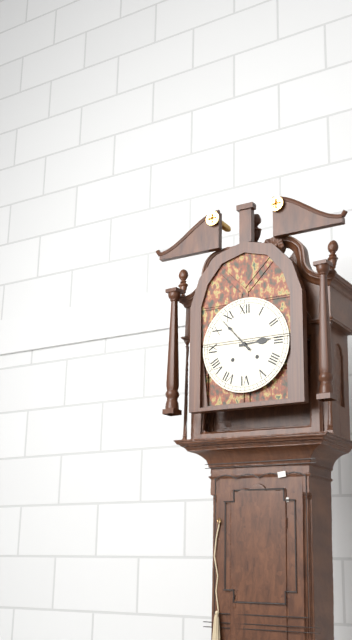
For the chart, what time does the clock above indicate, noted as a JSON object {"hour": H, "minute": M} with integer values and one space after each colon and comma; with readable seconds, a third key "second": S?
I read {"hour": 2, "minute": 53}
